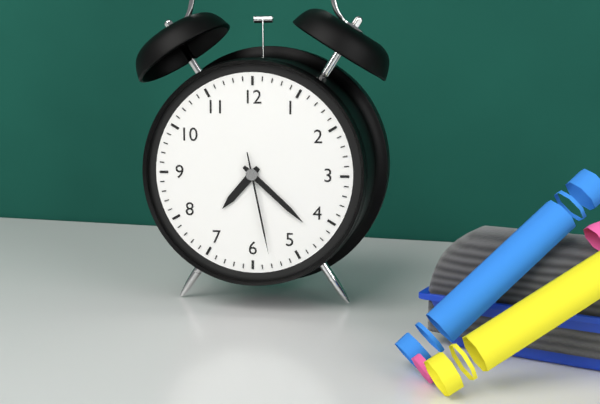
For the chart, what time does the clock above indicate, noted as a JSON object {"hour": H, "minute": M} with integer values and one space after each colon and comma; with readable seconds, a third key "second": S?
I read {"hour": 7, "minute": 22, "second": 28}
